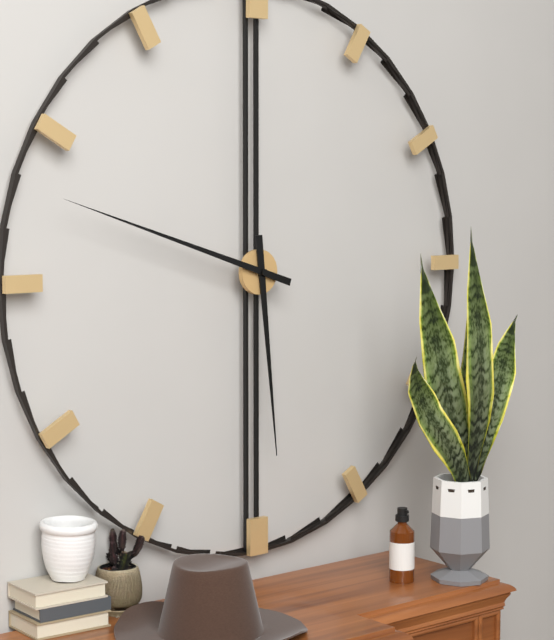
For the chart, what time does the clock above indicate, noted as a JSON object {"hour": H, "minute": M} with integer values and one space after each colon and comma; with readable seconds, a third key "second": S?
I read {"hour": 5, "minute": 48}
